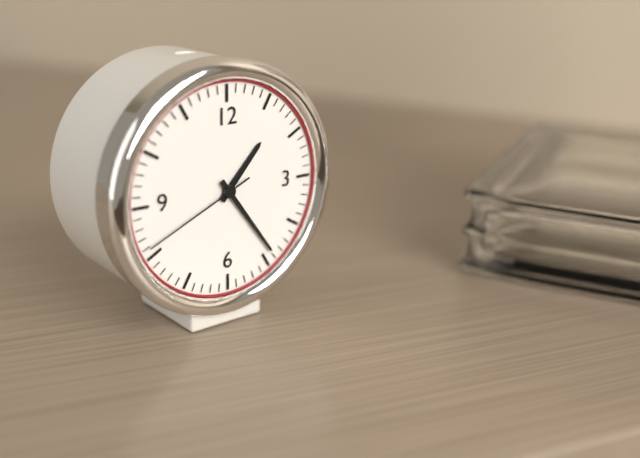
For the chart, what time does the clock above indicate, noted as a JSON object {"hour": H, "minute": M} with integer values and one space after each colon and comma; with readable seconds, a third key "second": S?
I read {"hour": 1, "minute": 24, "second": 41}
